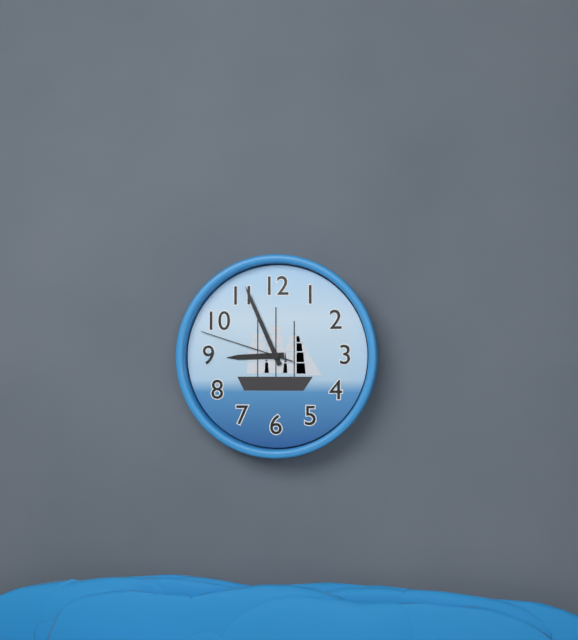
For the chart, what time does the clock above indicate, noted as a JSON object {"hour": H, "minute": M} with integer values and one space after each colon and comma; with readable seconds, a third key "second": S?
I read {"hour": 8, "minute": 56, "second": 48}
